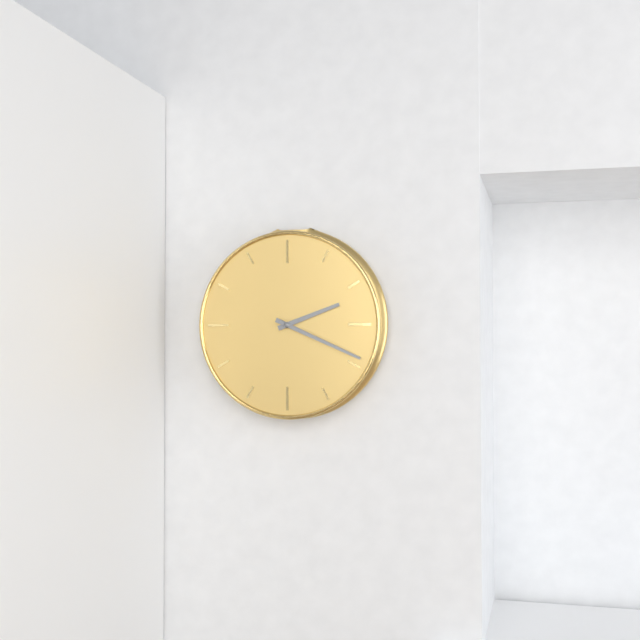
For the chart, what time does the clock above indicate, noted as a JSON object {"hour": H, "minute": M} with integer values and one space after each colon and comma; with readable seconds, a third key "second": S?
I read {"hour": 2, "minute": 19}
